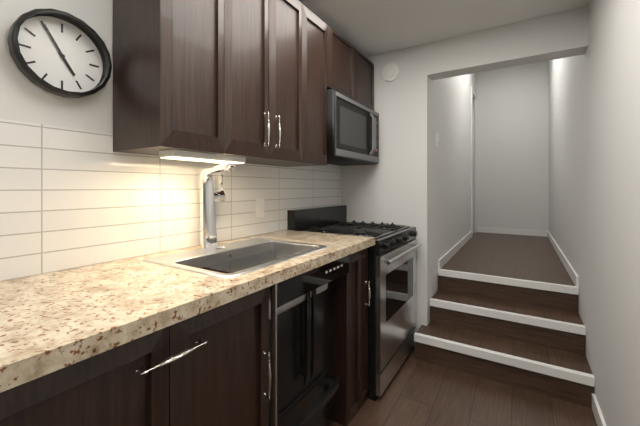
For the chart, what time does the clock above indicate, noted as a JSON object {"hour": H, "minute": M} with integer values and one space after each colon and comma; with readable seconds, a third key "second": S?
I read {"hour": 4, "minute": 55}
